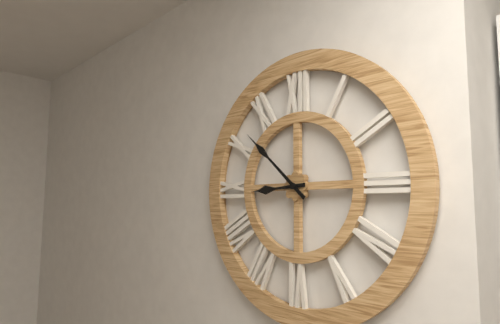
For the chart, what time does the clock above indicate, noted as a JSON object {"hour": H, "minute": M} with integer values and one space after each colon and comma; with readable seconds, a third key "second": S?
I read {"hour": 8, "minute": 52}
